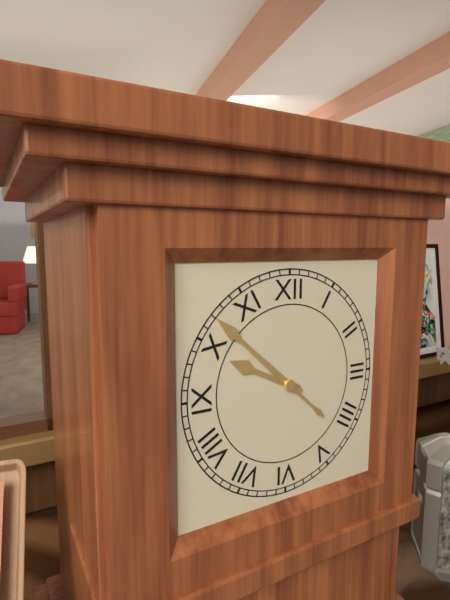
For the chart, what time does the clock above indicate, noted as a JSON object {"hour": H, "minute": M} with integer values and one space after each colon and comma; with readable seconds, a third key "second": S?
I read {"hour": 9, "minute": 52}
